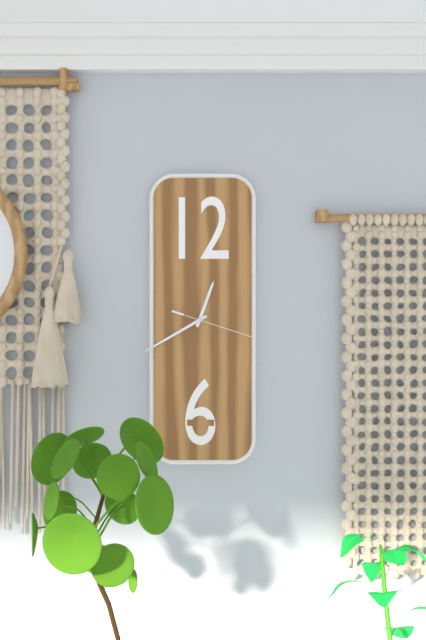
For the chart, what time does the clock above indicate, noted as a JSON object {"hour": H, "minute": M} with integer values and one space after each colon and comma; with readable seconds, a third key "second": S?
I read {"hour": 12, "minute": 40, "second": 18}
